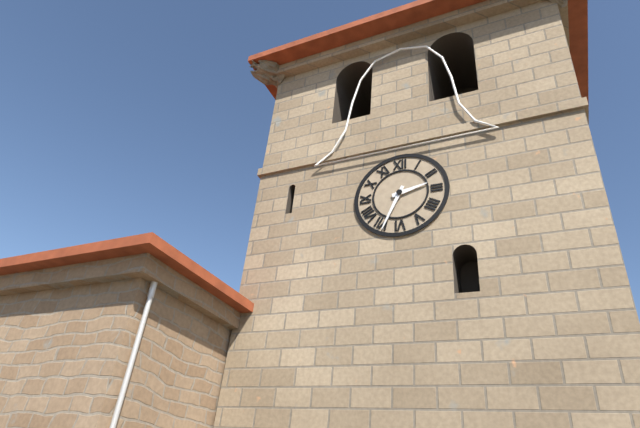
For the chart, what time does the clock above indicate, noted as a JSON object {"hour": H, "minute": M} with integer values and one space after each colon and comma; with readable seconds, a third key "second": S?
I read {"hour": 2, "minute": 34}
